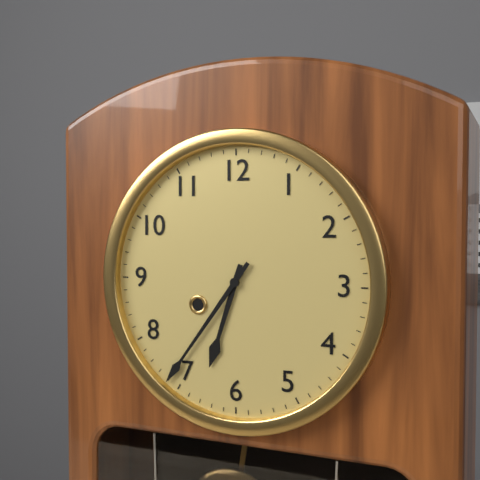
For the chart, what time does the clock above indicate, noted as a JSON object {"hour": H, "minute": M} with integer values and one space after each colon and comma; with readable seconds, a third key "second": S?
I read {"hour": 6, "minute": 36}
